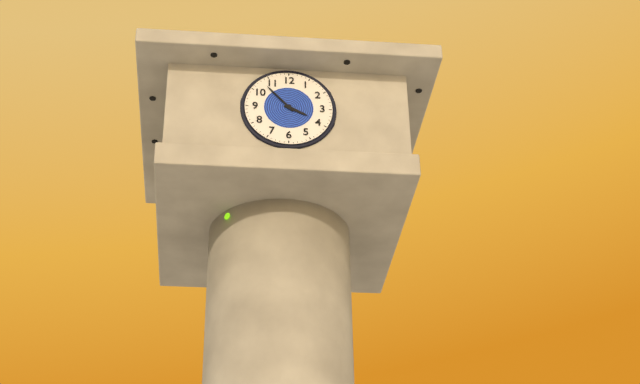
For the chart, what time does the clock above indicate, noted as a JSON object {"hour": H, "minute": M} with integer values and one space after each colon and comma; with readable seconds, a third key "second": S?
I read {"hour": 3, "minute": 53}
